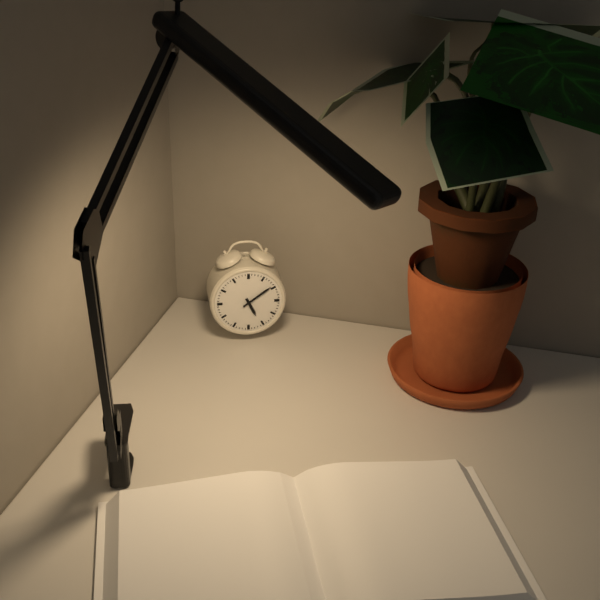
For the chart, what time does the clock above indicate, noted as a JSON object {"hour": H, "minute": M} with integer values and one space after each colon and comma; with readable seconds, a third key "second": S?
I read {"hour": 5, "minute": 9}
